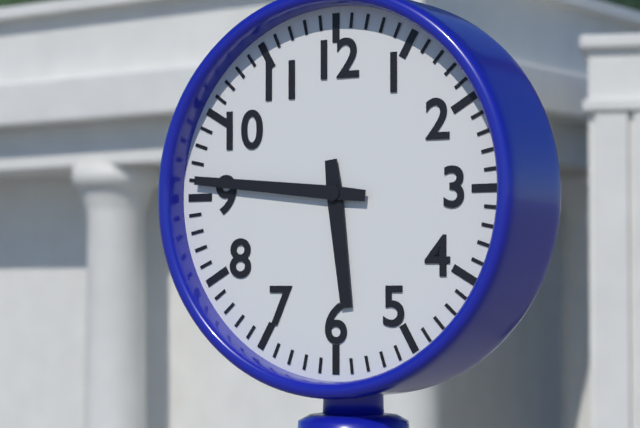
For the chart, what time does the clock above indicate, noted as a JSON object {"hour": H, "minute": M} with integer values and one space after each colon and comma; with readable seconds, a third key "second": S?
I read {"hour": 5, "minute": 46}
